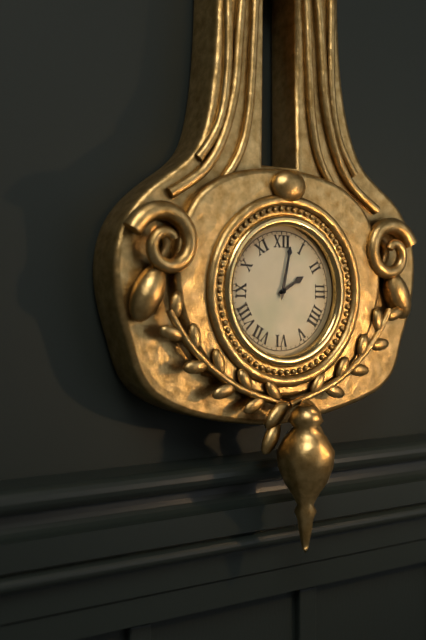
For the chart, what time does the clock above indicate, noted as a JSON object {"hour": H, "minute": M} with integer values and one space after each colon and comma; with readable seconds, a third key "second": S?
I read {"hour": 2, "minute": 2}
